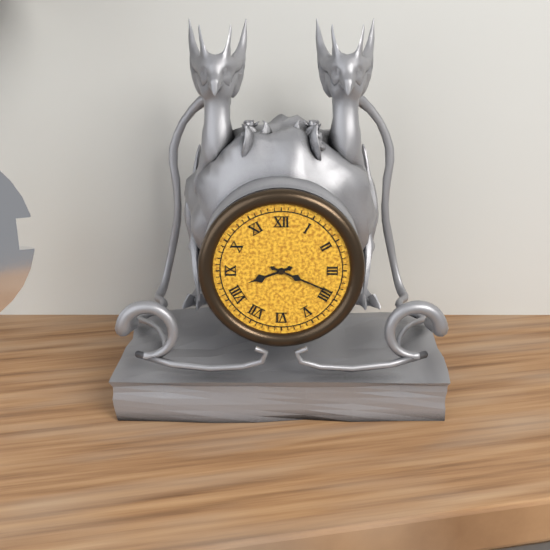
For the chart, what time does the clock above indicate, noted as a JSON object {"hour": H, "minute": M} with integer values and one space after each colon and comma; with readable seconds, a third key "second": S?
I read {"hour": 8, "minute": 19}
